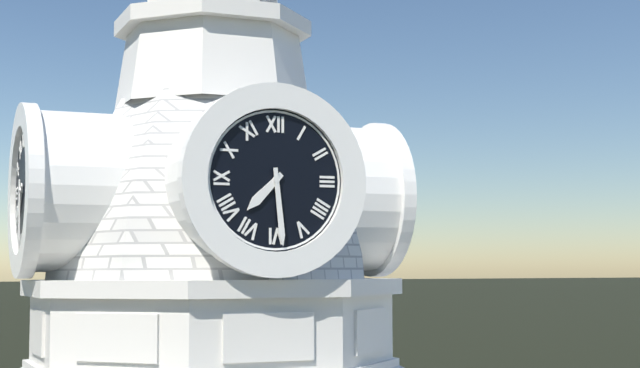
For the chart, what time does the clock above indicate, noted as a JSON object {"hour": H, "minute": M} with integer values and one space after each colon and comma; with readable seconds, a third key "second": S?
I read {"hour": 7, "minute": 29}
